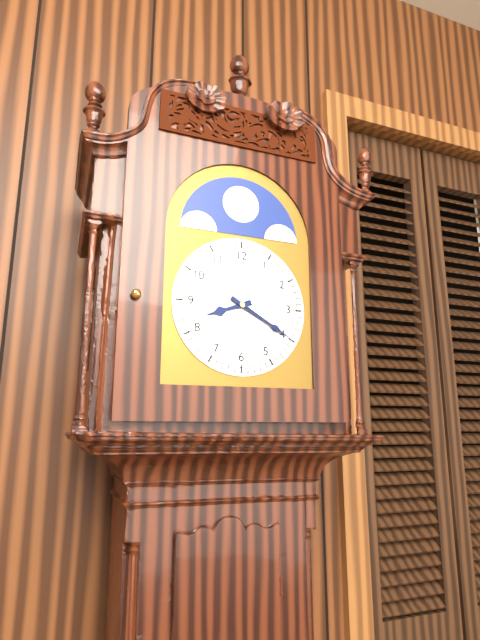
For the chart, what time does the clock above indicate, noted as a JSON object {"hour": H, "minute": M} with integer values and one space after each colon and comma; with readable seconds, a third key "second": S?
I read {"hour": 8, "minute": 20}
